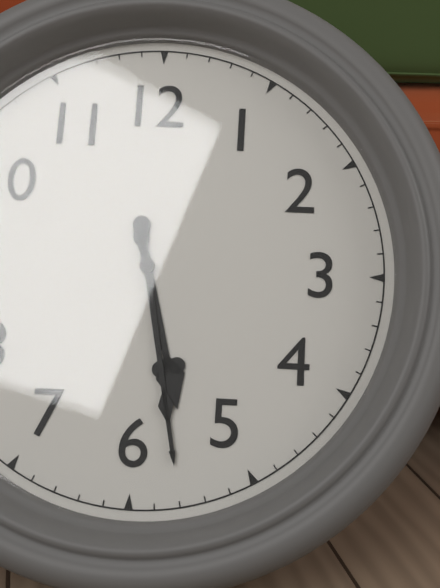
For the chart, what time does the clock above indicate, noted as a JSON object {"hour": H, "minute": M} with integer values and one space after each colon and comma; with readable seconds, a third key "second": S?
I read {"hour": 5, "minute": 28}
